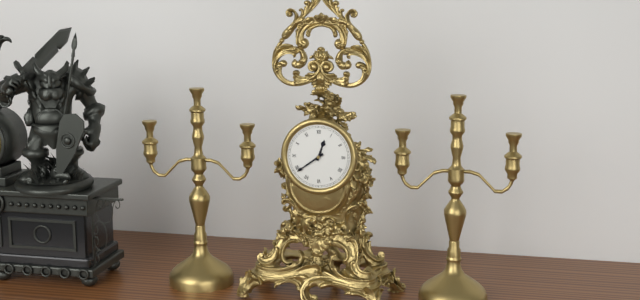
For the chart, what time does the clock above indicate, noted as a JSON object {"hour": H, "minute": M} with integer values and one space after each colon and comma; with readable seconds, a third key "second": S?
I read {"hour": 12, "minute": 39}
